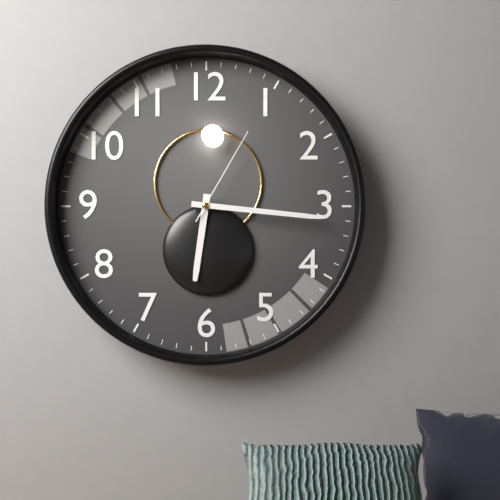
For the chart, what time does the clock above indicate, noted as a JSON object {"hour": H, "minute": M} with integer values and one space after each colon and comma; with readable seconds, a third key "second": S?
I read {"hour": 6, "minute": 16, "second": 5}
